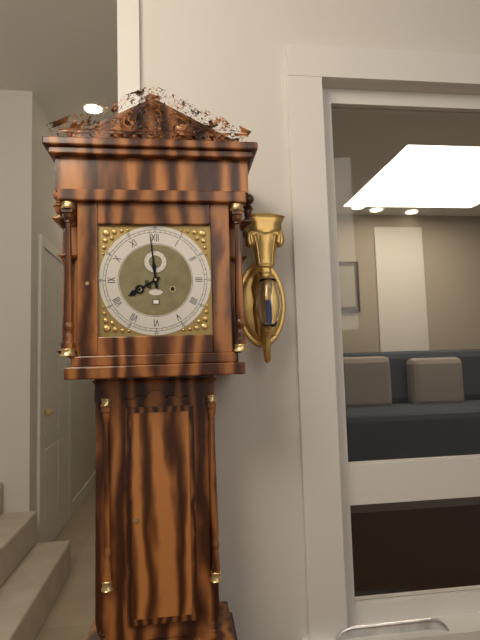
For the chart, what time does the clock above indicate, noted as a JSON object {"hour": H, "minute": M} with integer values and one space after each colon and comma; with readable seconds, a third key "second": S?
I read {"hour": 7, "minute": 59}
